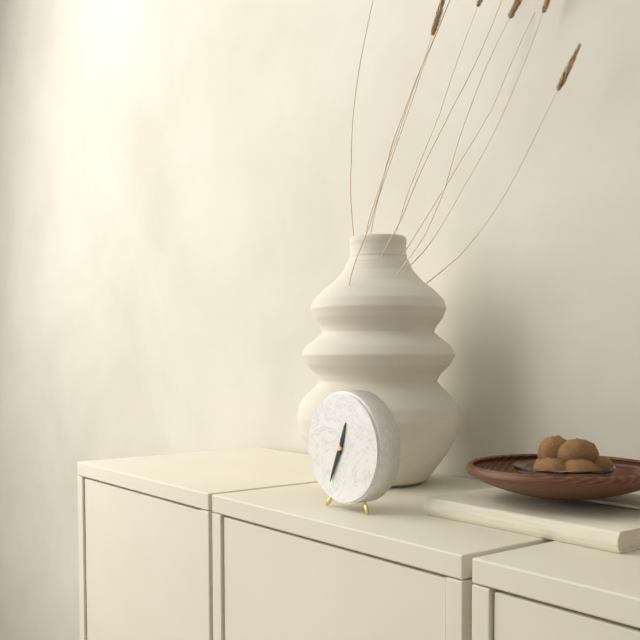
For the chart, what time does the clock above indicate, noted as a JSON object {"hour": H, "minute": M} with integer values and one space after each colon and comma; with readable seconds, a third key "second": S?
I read {"hour": 12, "minute": 34}
